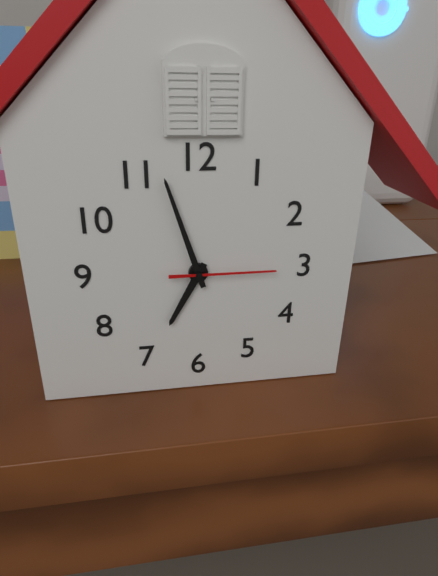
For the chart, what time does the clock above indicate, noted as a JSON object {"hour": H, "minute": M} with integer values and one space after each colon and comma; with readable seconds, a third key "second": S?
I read {"hour": 6, "minute": 57, "second": 15}
